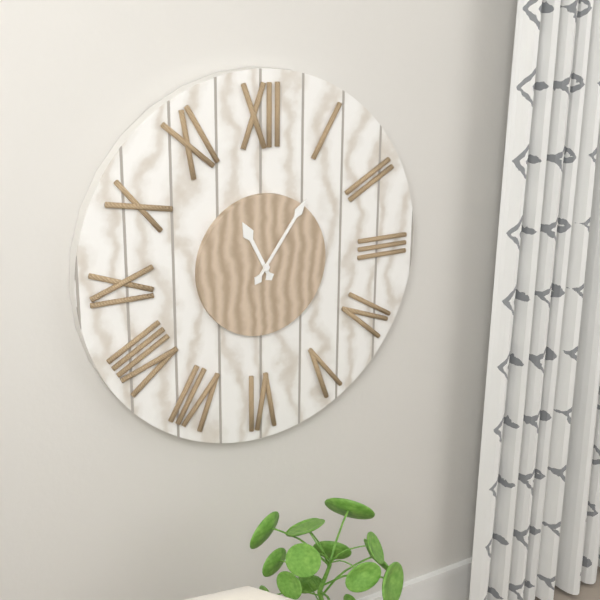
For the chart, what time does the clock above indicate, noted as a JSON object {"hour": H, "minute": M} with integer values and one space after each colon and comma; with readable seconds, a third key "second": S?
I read {"hour": 11, "minute": 6}
